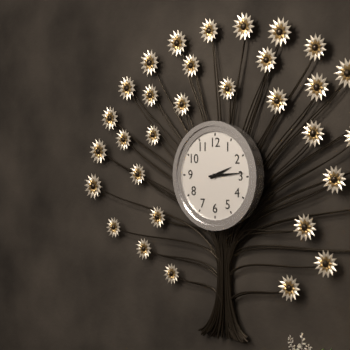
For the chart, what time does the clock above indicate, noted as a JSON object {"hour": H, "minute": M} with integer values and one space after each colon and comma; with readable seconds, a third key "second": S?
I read {"hour": 2, "minute": 14}
